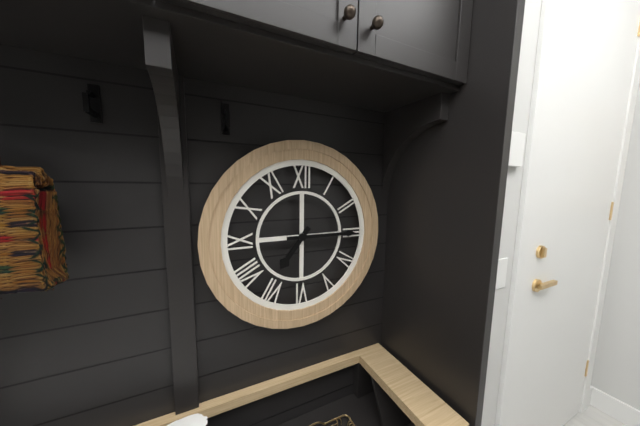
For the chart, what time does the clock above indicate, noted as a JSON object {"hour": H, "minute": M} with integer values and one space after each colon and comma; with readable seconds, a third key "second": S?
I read {"hour": 7, "minute": 15}
